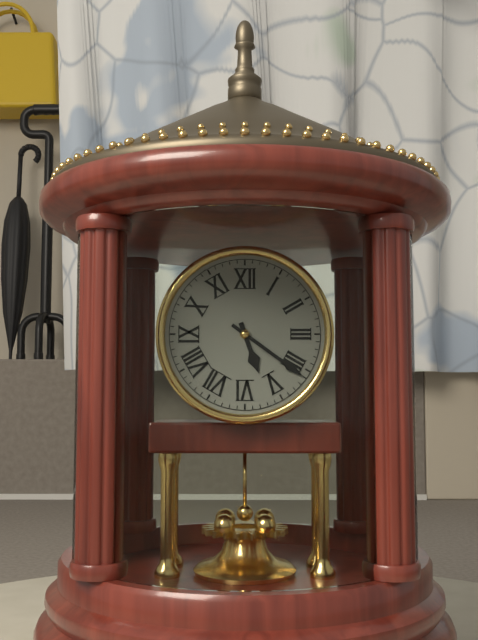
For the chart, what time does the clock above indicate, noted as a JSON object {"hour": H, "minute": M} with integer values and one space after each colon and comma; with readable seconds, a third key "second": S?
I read {"hour": 5, "minute": 21}
